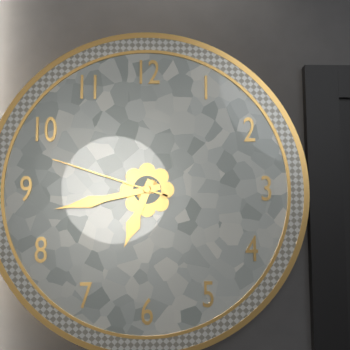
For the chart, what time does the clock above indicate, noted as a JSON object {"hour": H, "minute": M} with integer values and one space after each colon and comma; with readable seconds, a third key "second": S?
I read {"hour": 6, "minute": 43, "second": 48}
